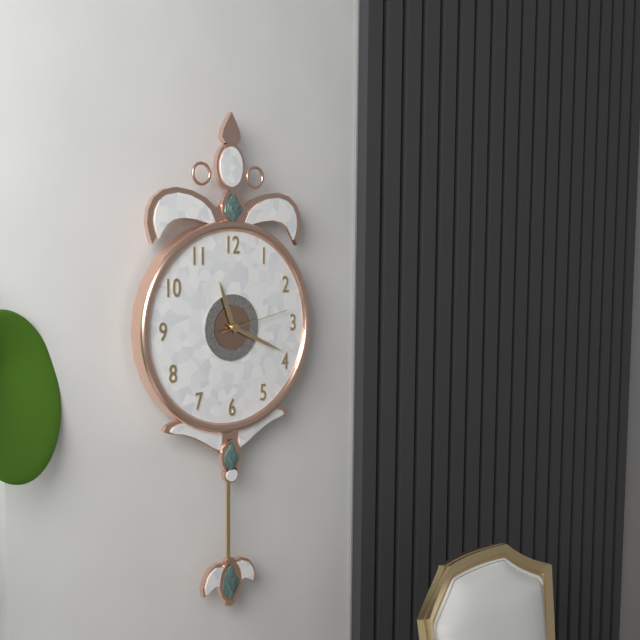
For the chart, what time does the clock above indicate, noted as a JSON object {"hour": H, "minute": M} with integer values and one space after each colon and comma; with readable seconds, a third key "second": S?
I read {"hour": 11, "minute": 19, "second": 13}
